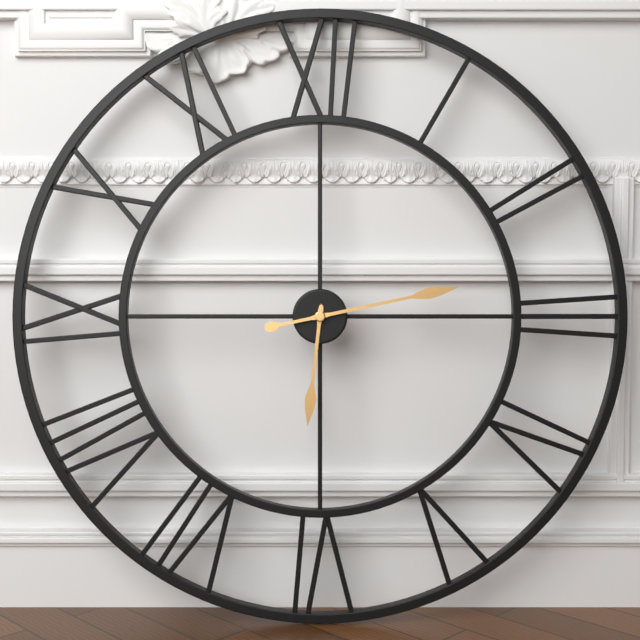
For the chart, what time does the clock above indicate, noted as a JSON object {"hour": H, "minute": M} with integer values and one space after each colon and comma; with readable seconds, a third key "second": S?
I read {"hour": 6, "minute": 13}
